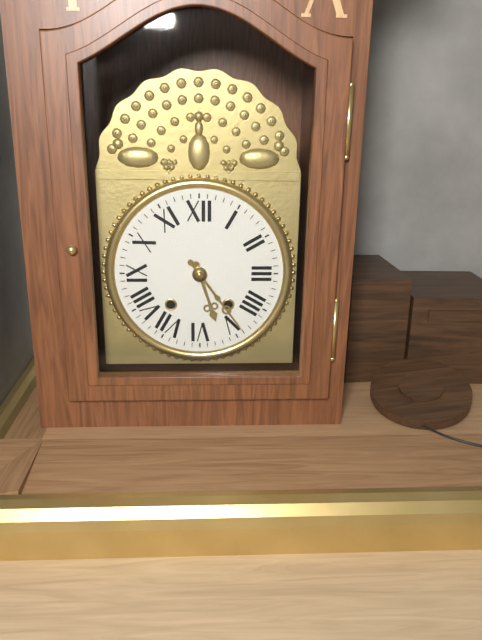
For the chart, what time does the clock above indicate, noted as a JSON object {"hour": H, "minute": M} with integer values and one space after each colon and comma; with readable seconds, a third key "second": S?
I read {"hour": 5, "minute": 24}
